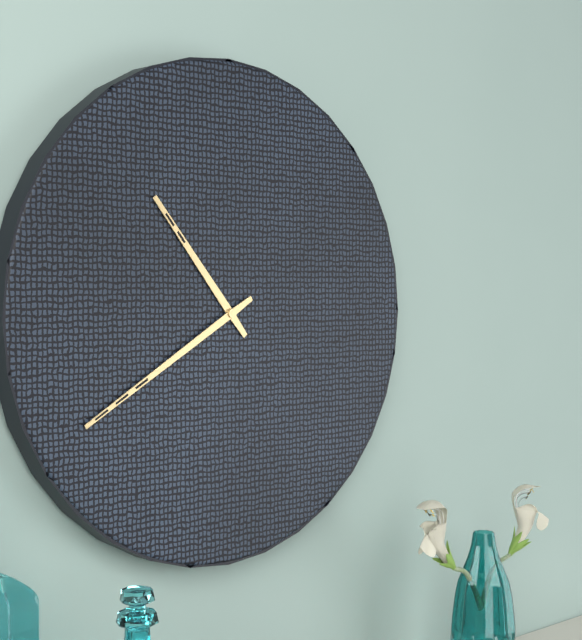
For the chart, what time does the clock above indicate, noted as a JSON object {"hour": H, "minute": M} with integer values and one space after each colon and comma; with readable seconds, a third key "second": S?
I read {"hour": 10, "minute": 40}
